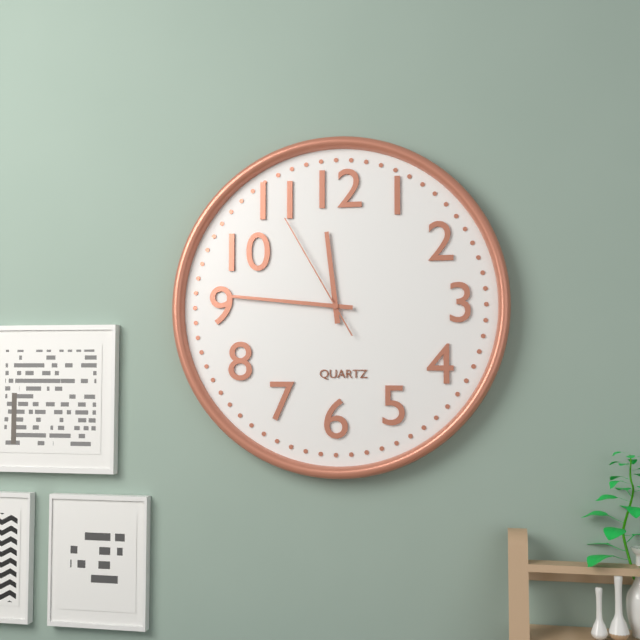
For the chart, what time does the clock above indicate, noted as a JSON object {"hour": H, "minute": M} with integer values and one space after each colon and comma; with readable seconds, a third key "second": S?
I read {"hour": 11, "minute": 46, "second": 55}
